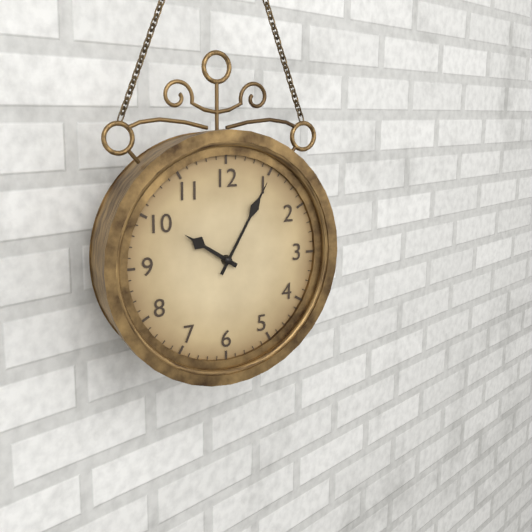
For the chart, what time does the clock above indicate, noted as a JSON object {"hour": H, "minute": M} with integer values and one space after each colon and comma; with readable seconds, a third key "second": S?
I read {"hour": 10, "minute": 5}
